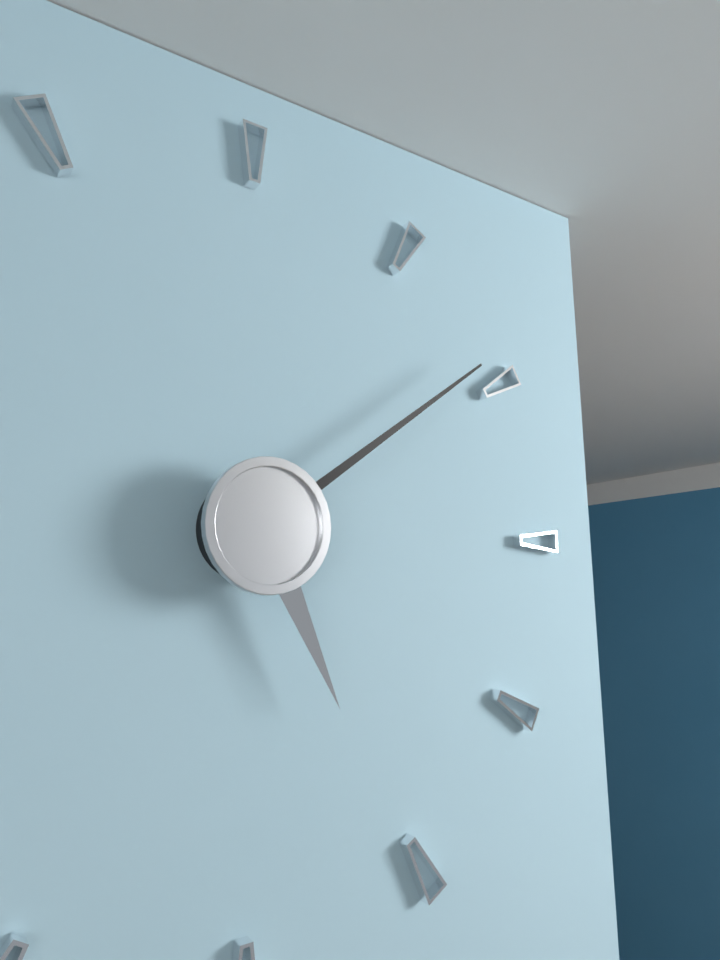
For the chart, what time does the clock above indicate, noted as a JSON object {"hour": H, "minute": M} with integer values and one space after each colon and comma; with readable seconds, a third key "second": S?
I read {"hour": 5, "minute": 9}
